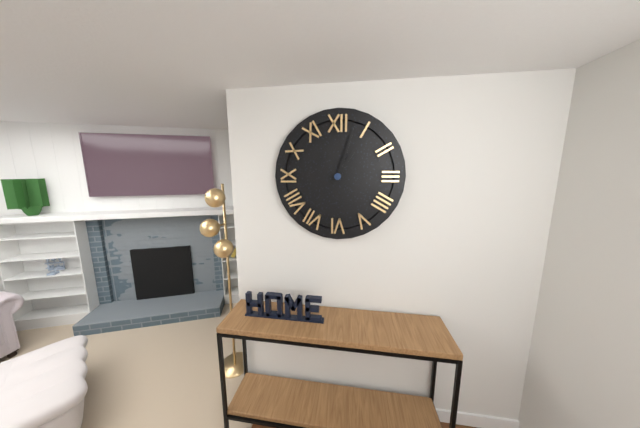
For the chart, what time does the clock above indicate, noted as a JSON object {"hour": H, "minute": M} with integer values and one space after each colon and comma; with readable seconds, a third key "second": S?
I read {"hour": 1, "minute": 3}
